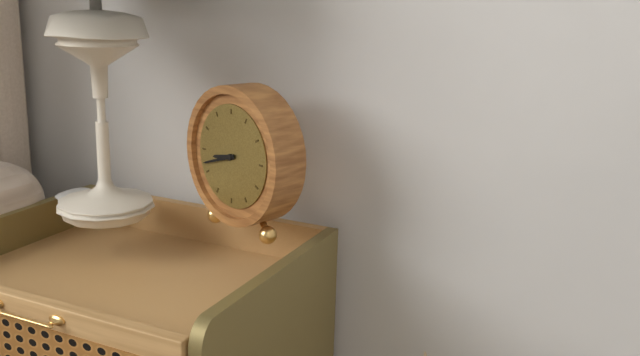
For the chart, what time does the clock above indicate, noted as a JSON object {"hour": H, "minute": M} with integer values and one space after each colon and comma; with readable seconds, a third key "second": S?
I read {"hour": 8, "minute": 42}
